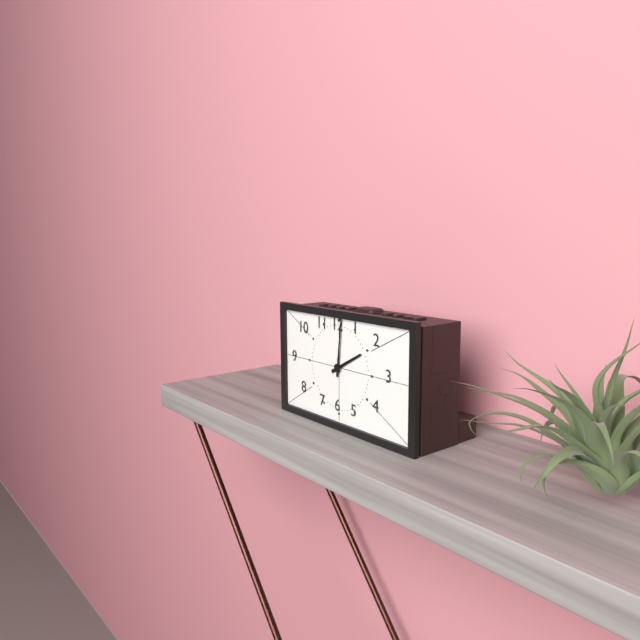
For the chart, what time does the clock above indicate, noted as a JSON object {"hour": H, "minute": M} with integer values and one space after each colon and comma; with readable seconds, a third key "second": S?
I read {"hour": 2, "minute": 1}
